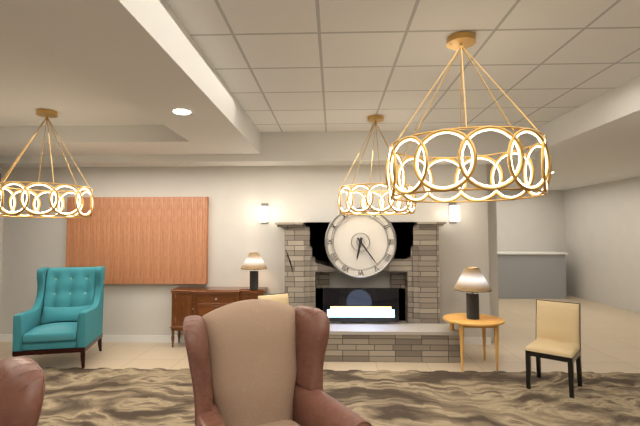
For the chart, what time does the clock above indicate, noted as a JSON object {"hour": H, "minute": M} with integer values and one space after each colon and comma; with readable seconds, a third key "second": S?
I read {"hour": 6, "minute": 24}
